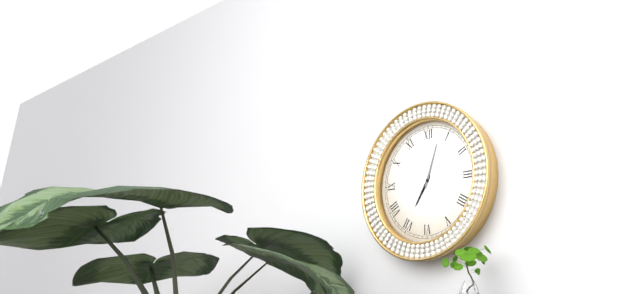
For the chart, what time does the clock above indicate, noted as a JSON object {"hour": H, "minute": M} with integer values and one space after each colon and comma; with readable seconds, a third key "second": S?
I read {"hour": 7, "minute": 3}
